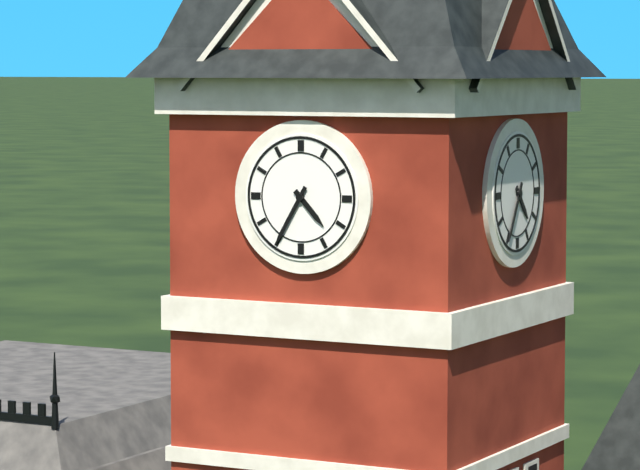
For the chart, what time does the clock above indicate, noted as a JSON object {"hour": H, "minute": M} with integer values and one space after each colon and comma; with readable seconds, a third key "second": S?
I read {"hour": 4, "minute": 35}
